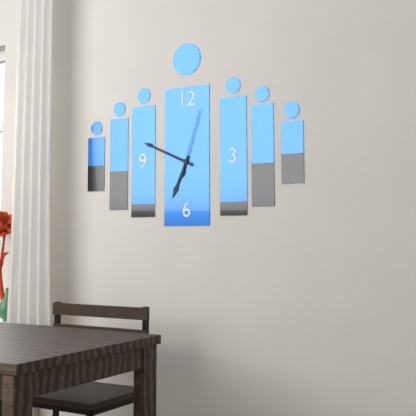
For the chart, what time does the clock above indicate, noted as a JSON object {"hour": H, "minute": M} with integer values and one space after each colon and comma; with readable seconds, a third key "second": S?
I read {"hour": 6, "minute": 49, "second": 3}
